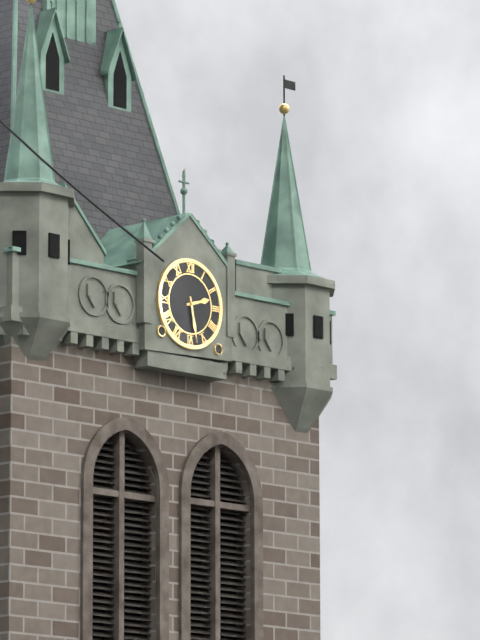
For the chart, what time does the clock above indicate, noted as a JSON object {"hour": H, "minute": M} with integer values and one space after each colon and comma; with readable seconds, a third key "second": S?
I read {"hour": 2, "minute": 28}
